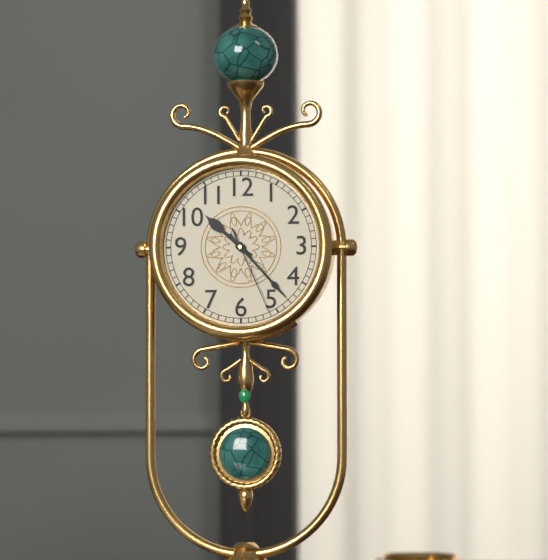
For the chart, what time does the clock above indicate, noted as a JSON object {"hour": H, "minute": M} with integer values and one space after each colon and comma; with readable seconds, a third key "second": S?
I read {"hour": 10, "minute": 23, "second": 26}
